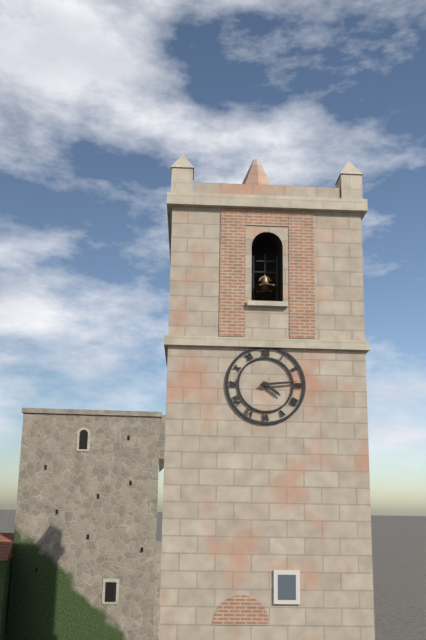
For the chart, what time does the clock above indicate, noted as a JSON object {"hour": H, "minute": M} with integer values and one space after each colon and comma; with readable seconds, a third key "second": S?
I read {"hour": 4, "minute": 14}
